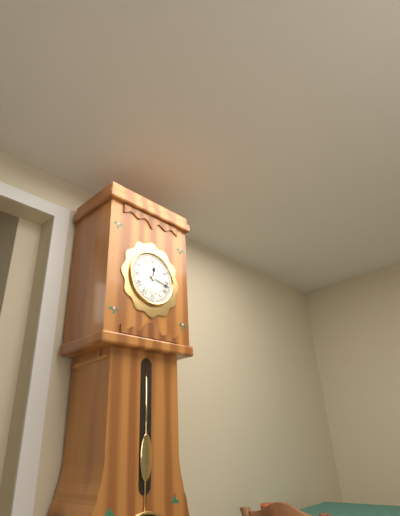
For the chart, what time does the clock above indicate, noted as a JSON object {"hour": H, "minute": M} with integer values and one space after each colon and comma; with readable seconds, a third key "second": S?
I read {"hour": 12, "minute": 17}
